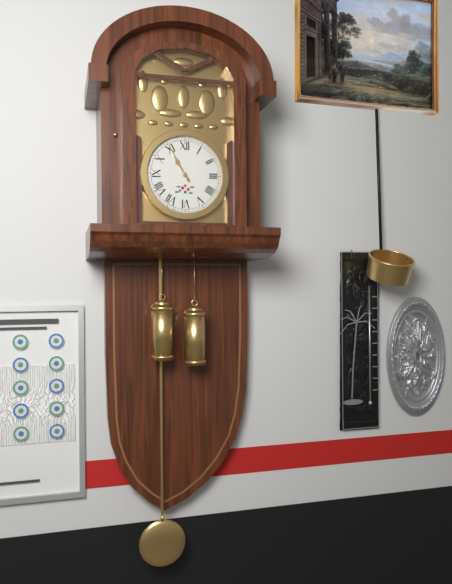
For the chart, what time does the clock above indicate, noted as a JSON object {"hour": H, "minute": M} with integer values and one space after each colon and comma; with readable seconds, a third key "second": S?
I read {"hour": 10, "minute": 55}
